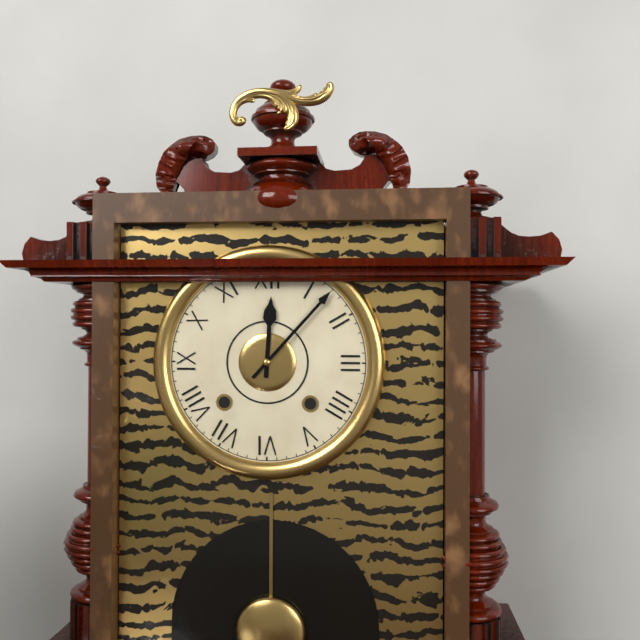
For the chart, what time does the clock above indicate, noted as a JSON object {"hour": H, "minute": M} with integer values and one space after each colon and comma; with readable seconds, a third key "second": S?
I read {"hour": 12, "minute": 7}
